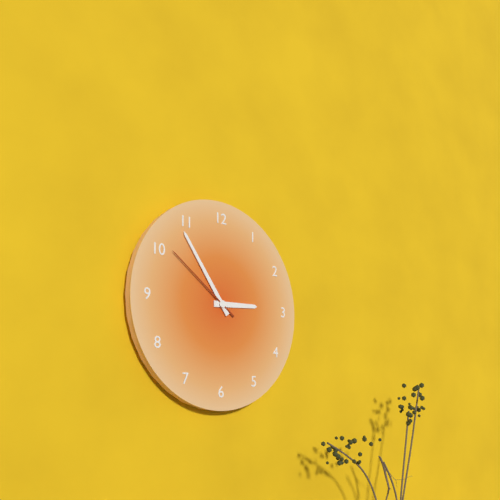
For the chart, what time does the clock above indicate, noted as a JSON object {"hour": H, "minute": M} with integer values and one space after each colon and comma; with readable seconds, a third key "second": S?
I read {"hour": 2, "minute": 54, "second": 51}
